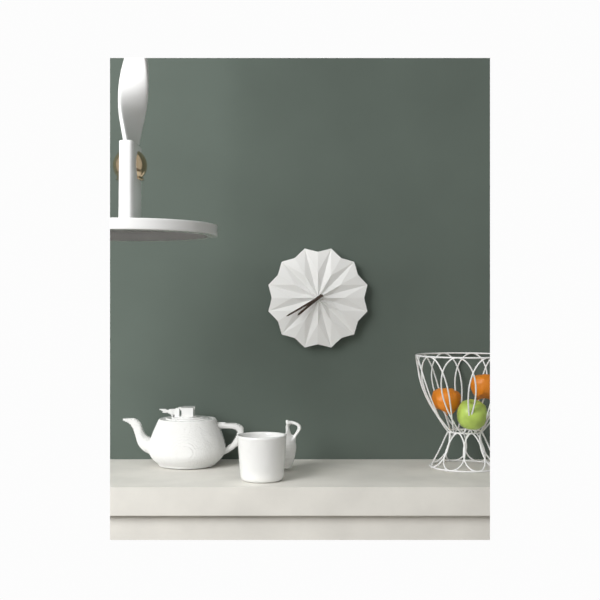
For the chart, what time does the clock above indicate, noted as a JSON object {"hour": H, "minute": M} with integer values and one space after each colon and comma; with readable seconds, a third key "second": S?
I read {"hour": 7, "minute": 40}
